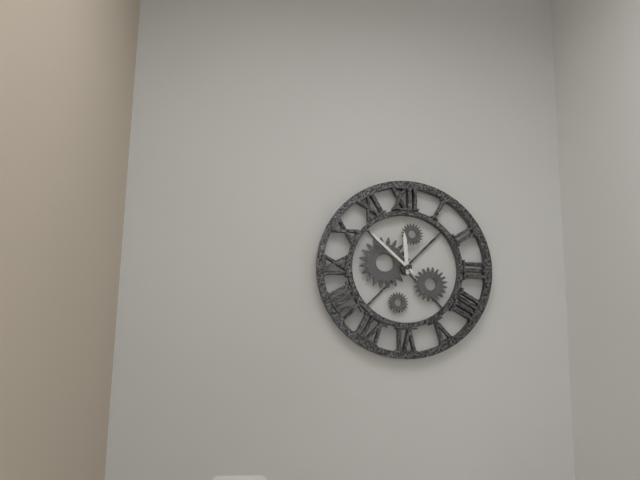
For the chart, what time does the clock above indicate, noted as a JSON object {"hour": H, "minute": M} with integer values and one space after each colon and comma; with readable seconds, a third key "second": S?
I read {"hour": 11, "minute": 52}
